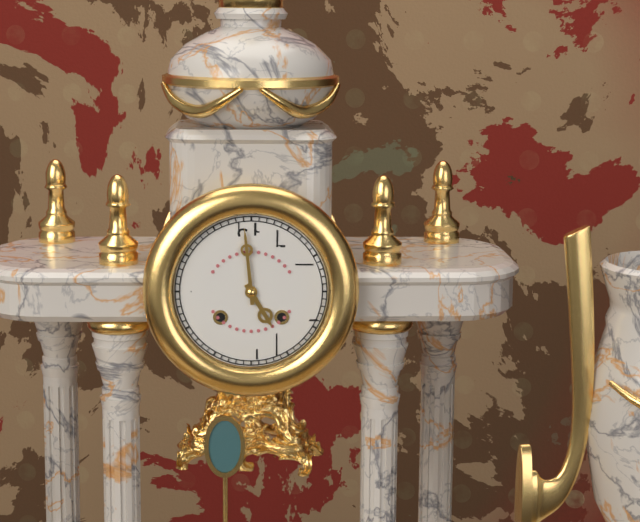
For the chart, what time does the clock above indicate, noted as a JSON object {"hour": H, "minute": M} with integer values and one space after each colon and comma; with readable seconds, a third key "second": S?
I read {"hour": 4, "minute": 59}
